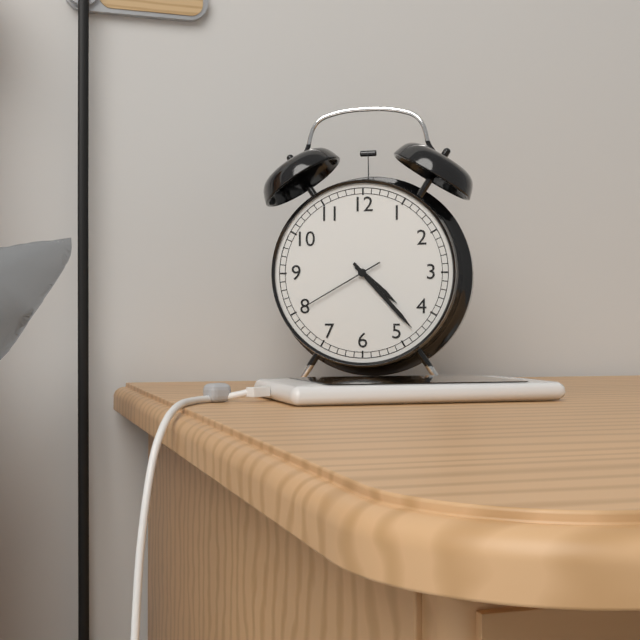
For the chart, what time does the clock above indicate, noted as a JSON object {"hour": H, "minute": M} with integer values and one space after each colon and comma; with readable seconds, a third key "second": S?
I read {"hour": 4, "minute": 23, "second": 40}
